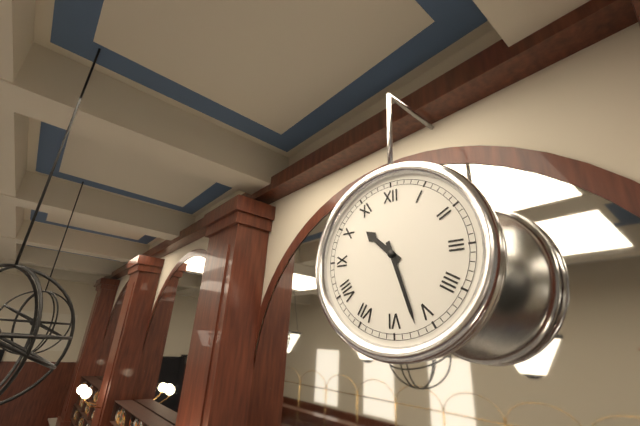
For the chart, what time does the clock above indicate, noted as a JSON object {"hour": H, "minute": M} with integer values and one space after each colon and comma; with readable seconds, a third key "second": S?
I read {"hour": 10, "minute": 27}
